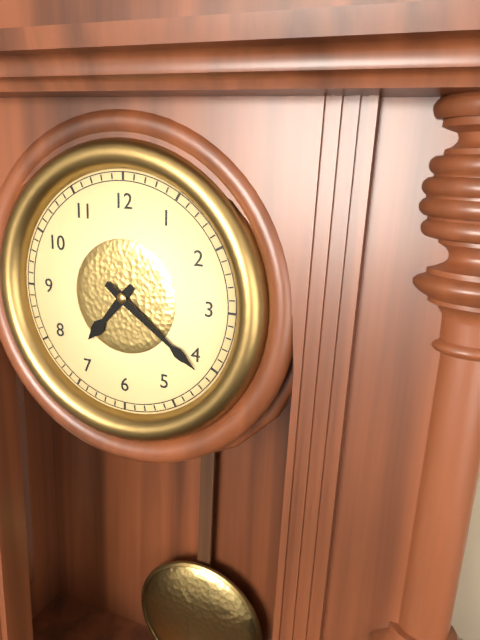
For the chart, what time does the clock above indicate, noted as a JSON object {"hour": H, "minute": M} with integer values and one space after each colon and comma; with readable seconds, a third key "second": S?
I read {"hour": 7, "minute": 21}
